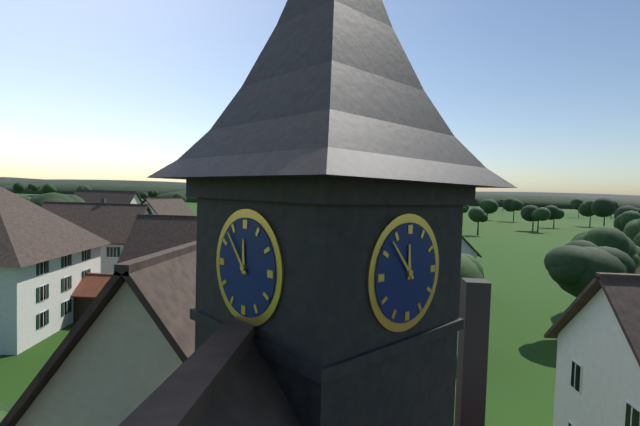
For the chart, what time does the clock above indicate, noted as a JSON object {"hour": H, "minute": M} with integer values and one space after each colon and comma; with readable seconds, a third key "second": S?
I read {"hour": 11, "minute": 53}
